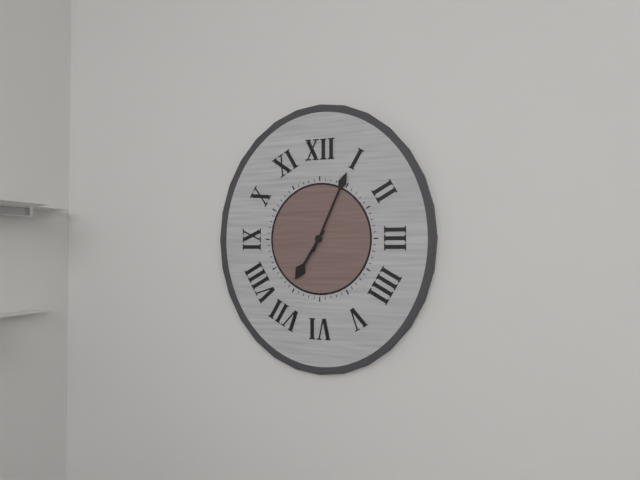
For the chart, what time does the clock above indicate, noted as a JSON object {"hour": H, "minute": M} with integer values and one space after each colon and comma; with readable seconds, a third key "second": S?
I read {"hour": 7, "minute": 4}
